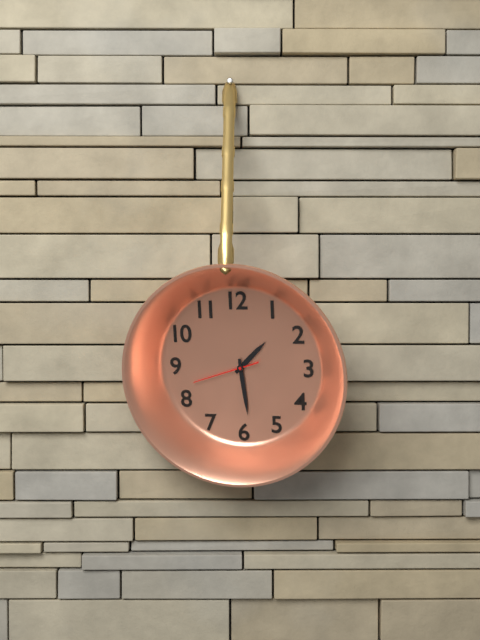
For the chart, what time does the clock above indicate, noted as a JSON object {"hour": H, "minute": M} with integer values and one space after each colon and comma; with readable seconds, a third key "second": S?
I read {"hour": 1, "minute": 29, "second": 42}
